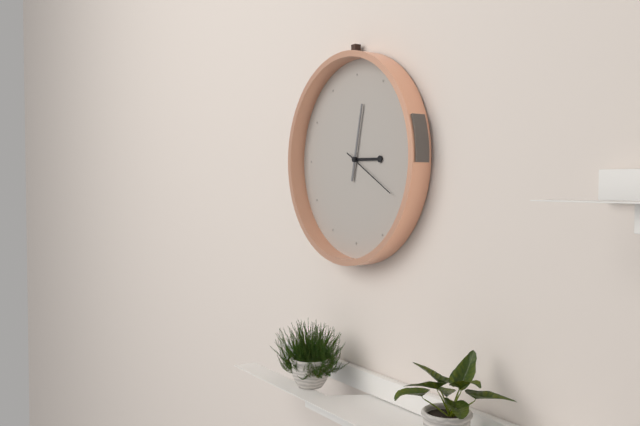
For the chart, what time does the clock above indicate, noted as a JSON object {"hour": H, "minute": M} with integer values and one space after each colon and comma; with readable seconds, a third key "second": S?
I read {"hour": 3, "minute": 2, "second": 20}
